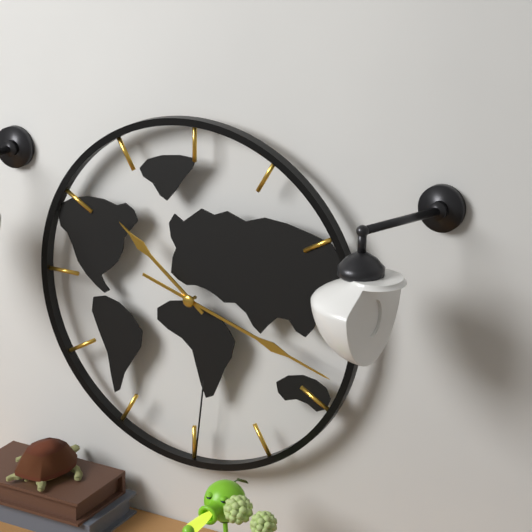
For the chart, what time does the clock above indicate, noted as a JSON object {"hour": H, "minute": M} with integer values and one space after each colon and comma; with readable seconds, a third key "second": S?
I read {"hour": 10, "minute": 18}
